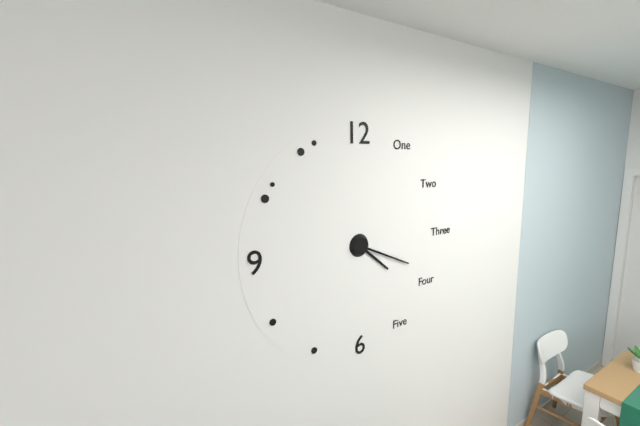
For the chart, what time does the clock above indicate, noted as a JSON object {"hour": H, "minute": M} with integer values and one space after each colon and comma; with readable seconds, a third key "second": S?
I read {"hour": 4, "minute": 19}
